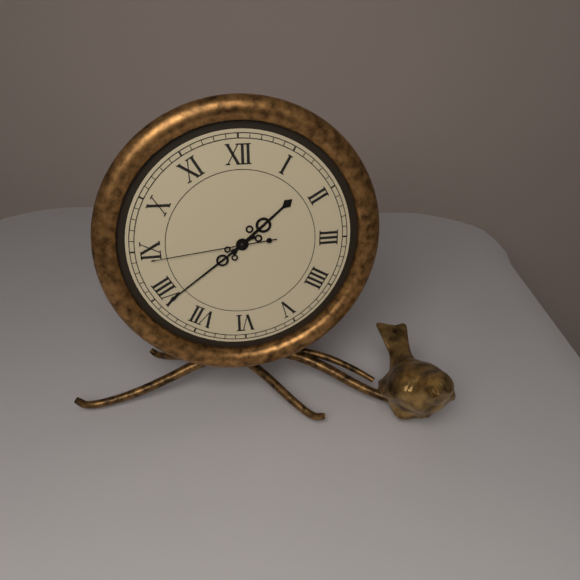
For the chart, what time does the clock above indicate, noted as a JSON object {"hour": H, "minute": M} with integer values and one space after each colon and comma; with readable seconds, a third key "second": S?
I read {"hour": 1, "minute": 39, "second": 44}
